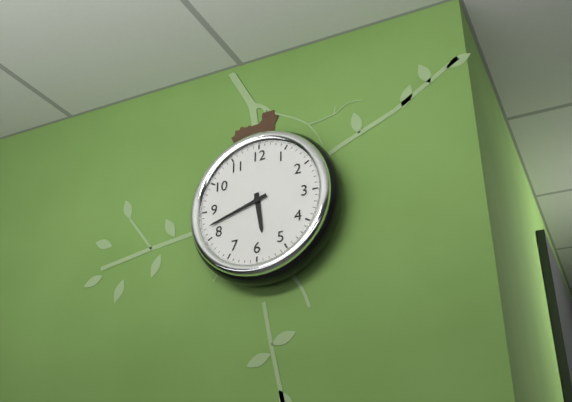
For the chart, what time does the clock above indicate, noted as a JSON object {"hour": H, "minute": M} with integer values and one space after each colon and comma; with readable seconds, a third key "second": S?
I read {"hour": 5, "minute": 42}
